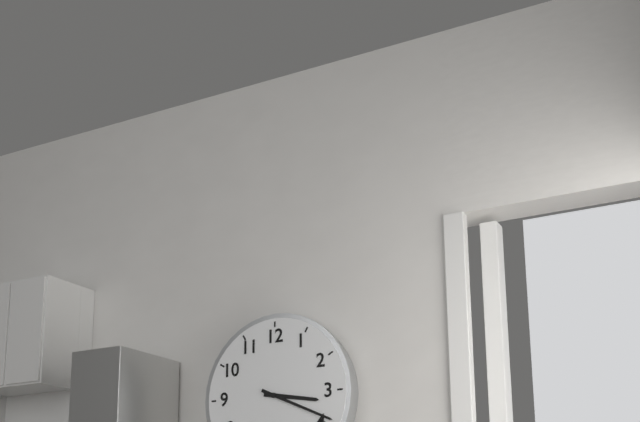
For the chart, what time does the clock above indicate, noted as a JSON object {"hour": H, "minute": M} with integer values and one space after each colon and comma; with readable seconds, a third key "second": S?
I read {"hour": 3, "minute": 19}
